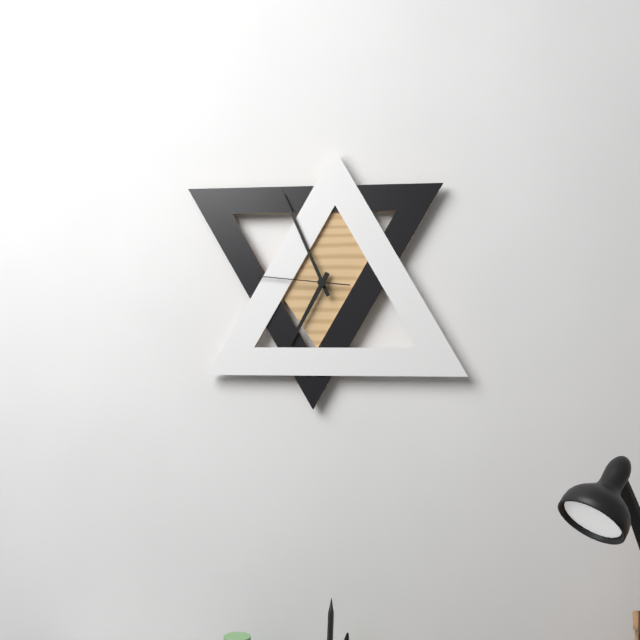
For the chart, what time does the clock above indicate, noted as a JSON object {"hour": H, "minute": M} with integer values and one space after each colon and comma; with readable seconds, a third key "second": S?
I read {"hour": 6, "minute": 56, "second": 46}
